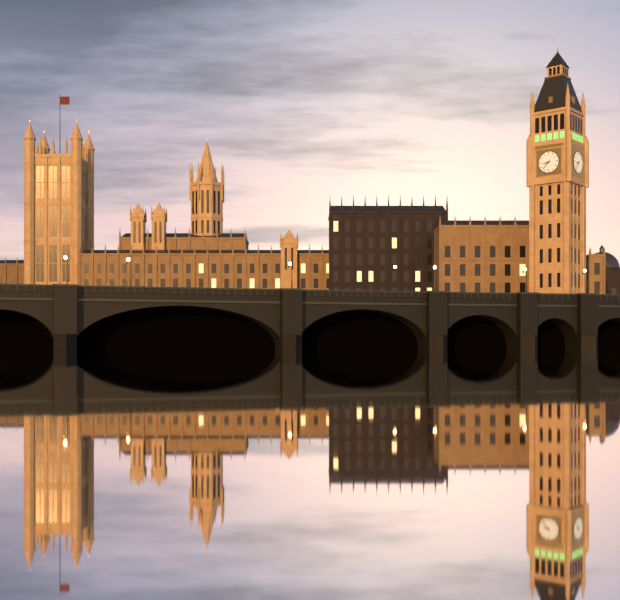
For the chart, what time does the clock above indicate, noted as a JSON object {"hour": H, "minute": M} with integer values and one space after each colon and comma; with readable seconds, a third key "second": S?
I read {"hour": 8, "minute": 37}
